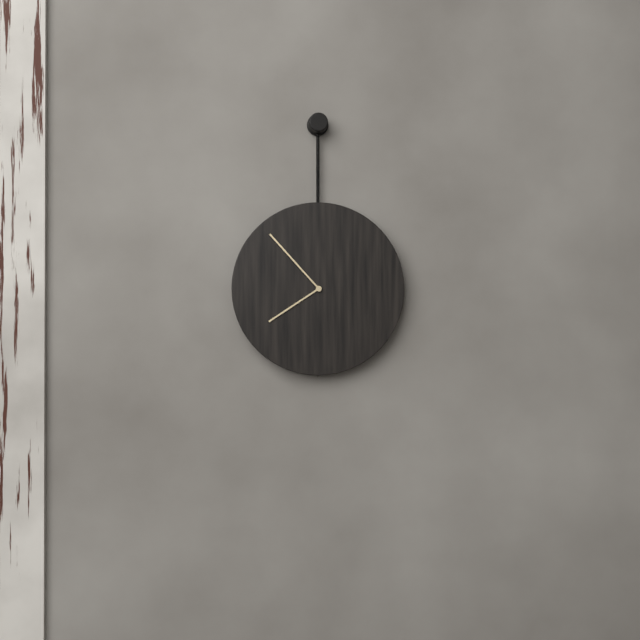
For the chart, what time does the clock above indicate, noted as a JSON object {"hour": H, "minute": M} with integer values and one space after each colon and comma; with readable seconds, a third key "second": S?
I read {"hour": 7, "minute": 53}
